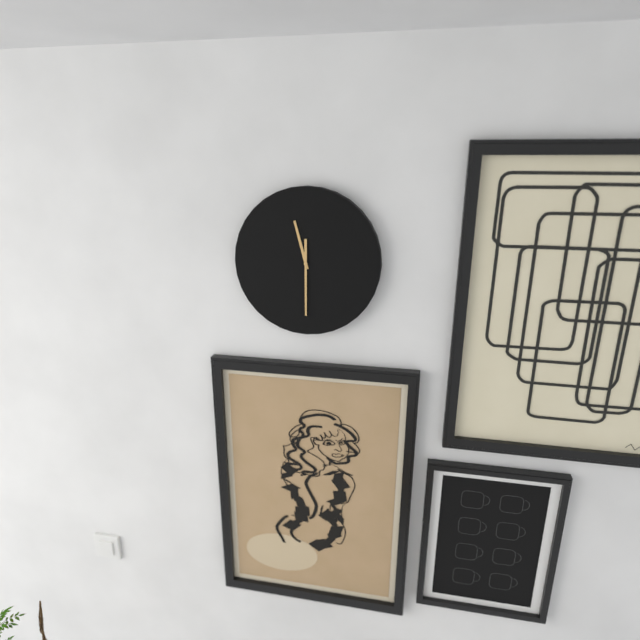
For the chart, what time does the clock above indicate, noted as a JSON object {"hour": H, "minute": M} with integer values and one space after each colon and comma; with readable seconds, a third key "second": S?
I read {"hour": 11, "minute": 30}
